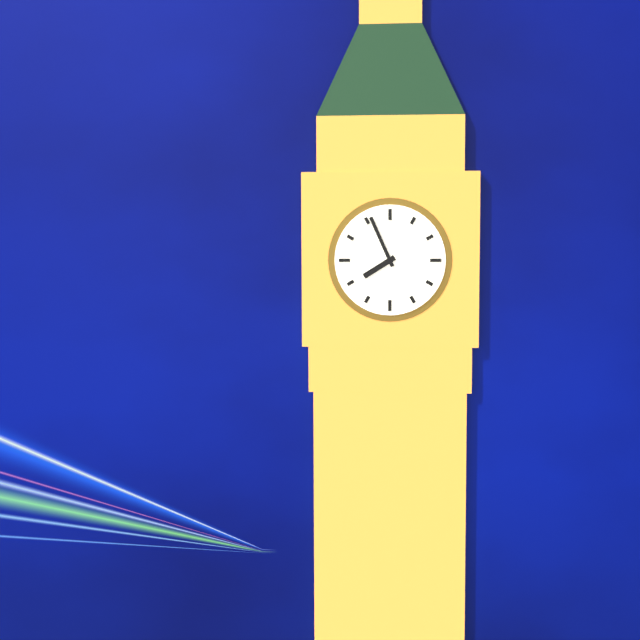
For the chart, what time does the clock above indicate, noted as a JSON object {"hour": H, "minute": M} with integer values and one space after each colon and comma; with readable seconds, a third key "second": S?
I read {"hour": 7, "minute": 56}
